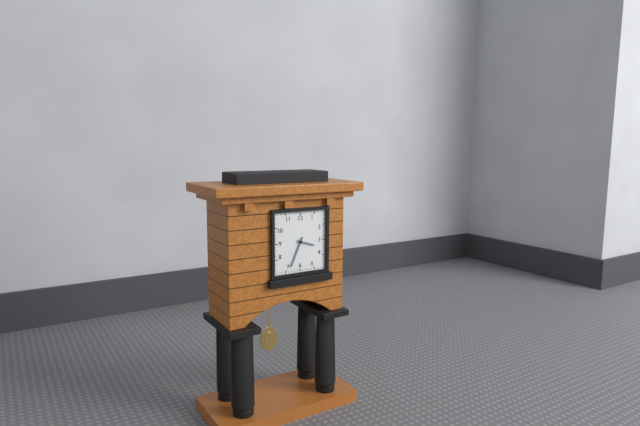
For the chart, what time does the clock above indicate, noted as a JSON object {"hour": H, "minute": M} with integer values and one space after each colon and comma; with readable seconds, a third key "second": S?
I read {"hour": 3, "minute": 34}
